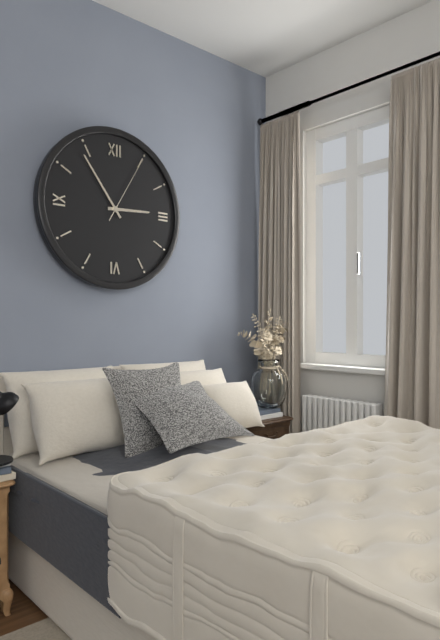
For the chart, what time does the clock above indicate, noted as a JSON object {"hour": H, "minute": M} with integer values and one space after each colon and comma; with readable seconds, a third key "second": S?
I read {"hour": 2, "minute": 54, "second": 5}
